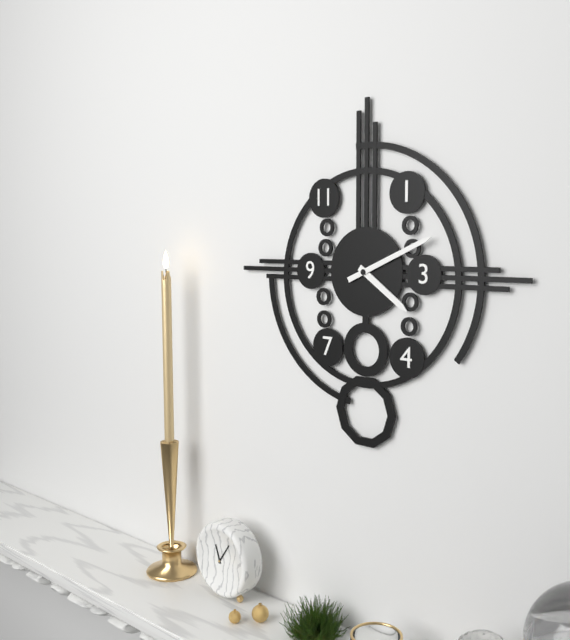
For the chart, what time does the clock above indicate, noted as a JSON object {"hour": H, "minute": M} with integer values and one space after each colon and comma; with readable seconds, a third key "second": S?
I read {"hour": 4, "minute": 11}
